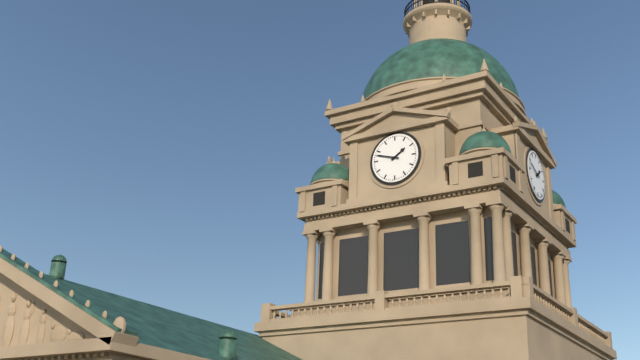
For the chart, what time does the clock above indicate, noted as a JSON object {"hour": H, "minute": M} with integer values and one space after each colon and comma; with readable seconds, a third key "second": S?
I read {"hour": 1, "minute": 48}
